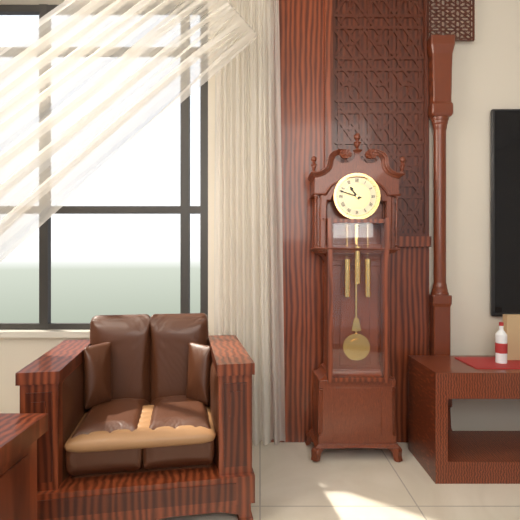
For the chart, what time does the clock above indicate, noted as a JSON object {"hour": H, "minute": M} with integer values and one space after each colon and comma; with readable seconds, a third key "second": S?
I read {"hour": 10, "minute": 48}
